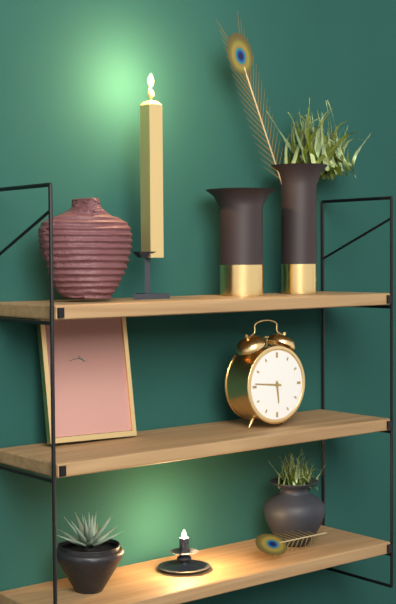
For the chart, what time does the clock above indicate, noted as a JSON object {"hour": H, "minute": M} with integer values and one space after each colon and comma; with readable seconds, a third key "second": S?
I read {"hour": 5, "minute": 46}
